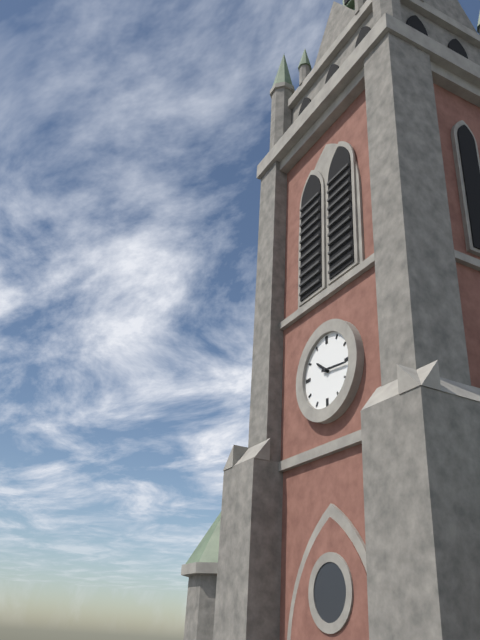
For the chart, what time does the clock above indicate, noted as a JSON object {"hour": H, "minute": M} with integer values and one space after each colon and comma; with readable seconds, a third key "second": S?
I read {"hour": 10, "minute": 16}
